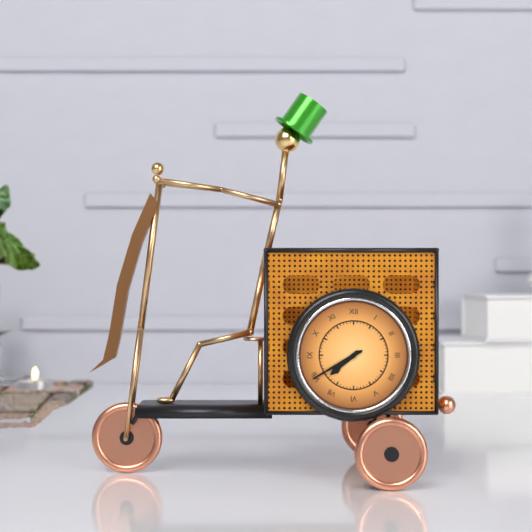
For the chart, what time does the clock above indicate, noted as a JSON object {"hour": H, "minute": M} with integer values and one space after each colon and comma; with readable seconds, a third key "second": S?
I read {"hour": 7, "minute": 40}
